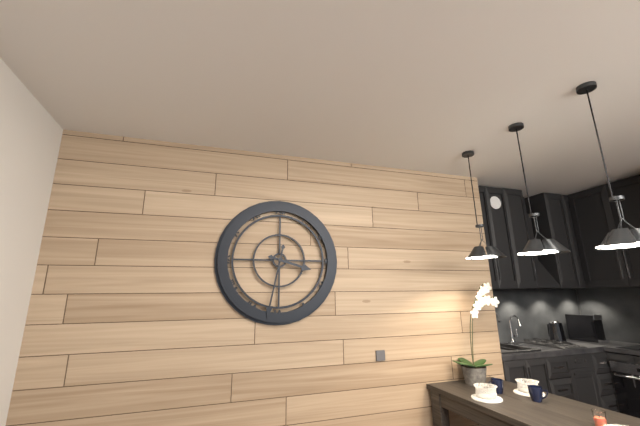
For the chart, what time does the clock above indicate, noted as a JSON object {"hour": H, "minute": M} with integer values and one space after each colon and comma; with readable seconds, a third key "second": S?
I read {"hour": 3, "minute": 32}
